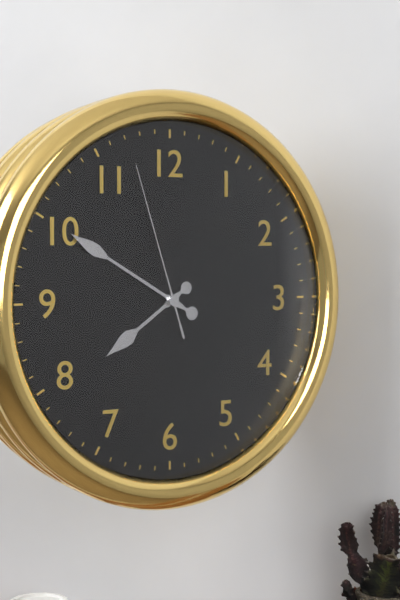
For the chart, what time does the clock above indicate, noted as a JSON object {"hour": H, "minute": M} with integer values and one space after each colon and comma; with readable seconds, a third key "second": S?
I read {"hour": 7, "minute": 50, "second": 57}
